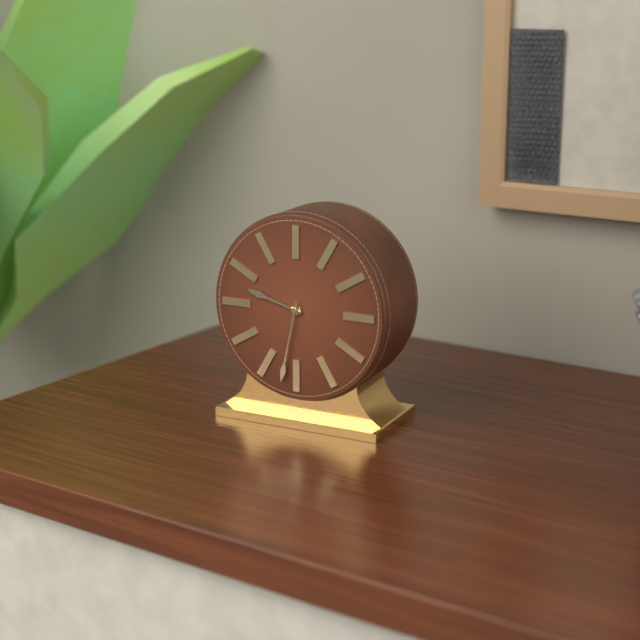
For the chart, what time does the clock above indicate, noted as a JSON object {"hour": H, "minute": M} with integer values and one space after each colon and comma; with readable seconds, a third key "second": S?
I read {"hour": 9, "minute": 32}
